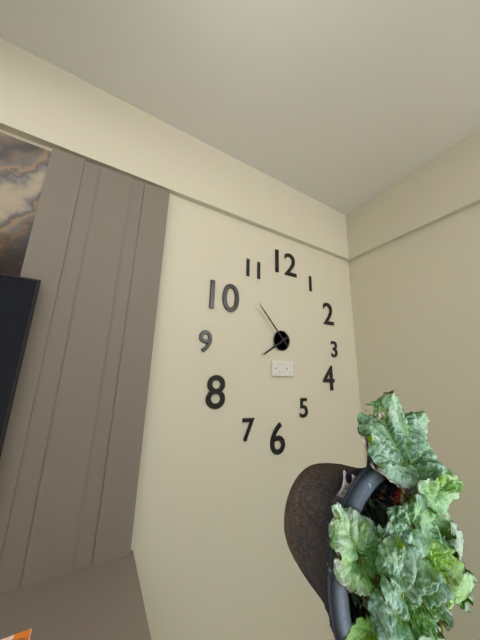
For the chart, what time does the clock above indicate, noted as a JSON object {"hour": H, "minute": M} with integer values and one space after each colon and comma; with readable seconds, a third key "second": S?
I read {"hour": 7, "minute": 53}
